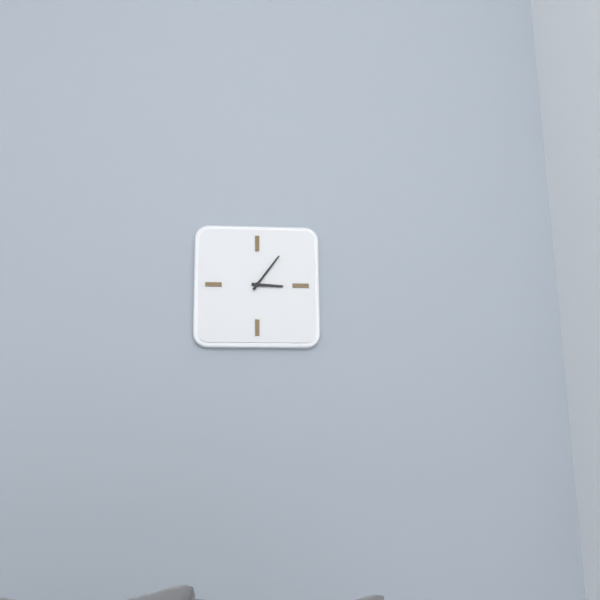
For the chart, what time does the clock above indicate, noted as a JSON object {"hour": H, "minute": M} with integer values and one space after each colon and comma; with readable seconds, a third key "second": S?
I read {"hour": 3, "minute": 6}
